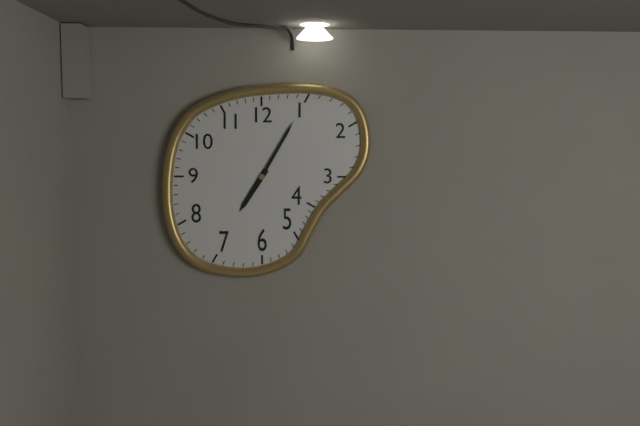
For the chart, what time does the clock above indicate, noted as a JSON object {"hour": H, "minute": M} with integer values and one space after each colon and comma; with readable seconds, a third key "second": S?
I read {"hour": 7, "minute": 5}
